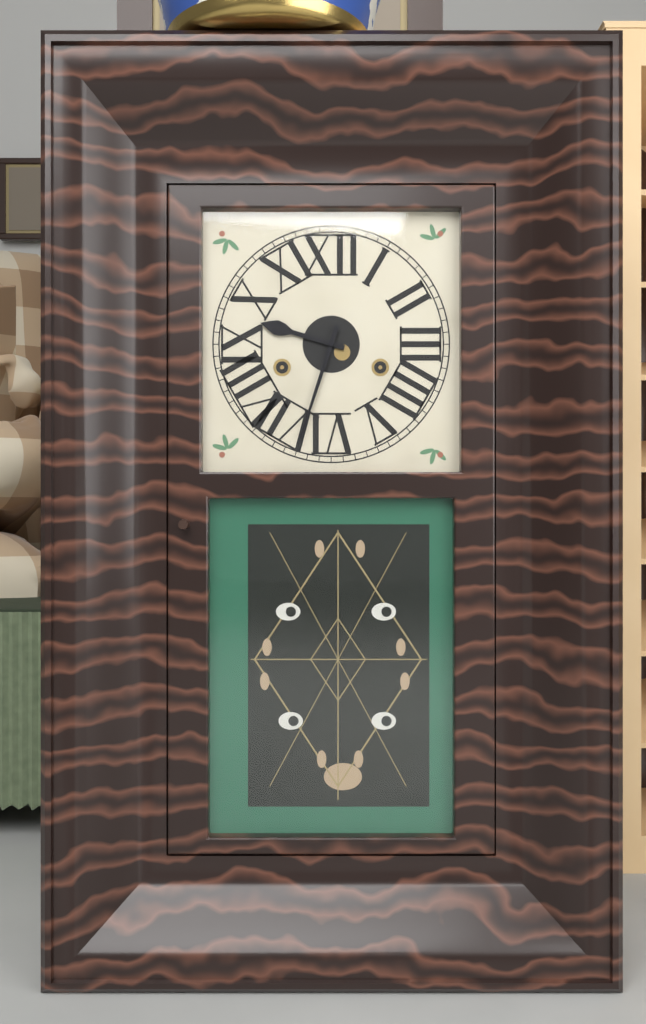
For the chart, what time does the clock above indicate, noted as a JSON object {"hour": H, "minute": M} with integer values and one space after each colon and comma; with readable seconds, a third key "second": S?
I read {"hour": 9, "minute": 33}
